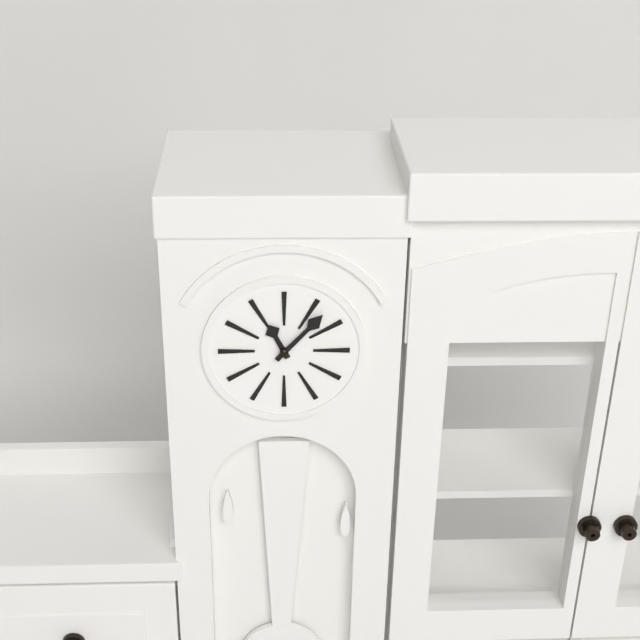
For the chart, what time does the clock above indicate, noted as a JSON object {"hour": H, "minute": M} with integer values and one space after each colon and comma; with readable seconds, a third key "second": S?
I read {"hour": 11, "minute": 7}
